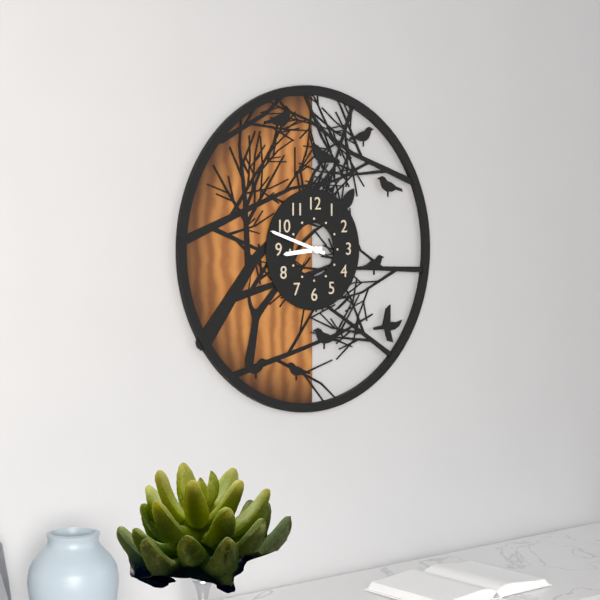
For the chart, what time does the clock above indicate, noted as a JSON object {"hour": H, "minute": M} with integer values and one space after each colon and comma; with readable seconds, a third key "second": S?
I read {"hour": 8, "minute": 48}
